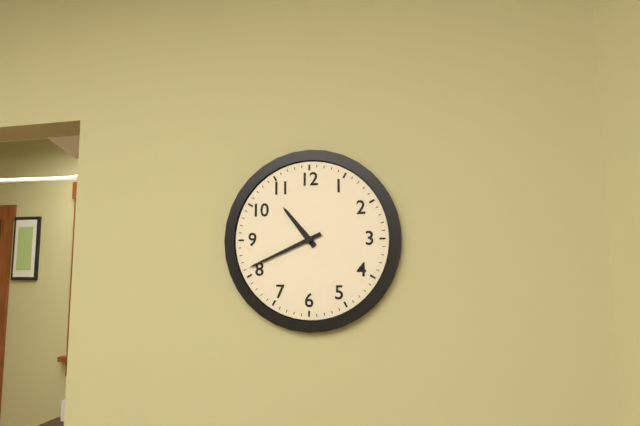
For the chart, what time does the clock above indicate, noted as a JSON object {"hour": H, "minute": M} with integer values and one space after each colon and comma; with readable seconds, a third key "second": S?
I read {"hour": 10, "minute": 41}
